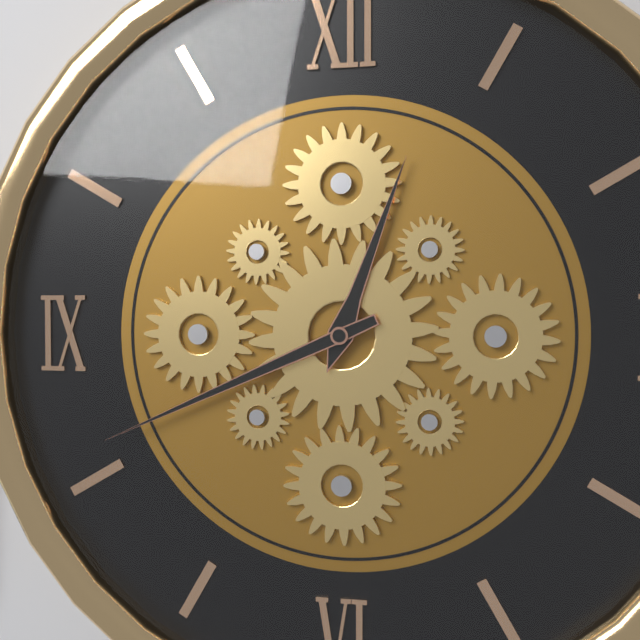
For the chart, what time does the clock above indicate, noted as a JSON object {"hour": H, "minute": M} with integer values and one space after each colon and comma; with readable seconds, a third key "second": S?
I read {"hour": 12, "minute": 41}
